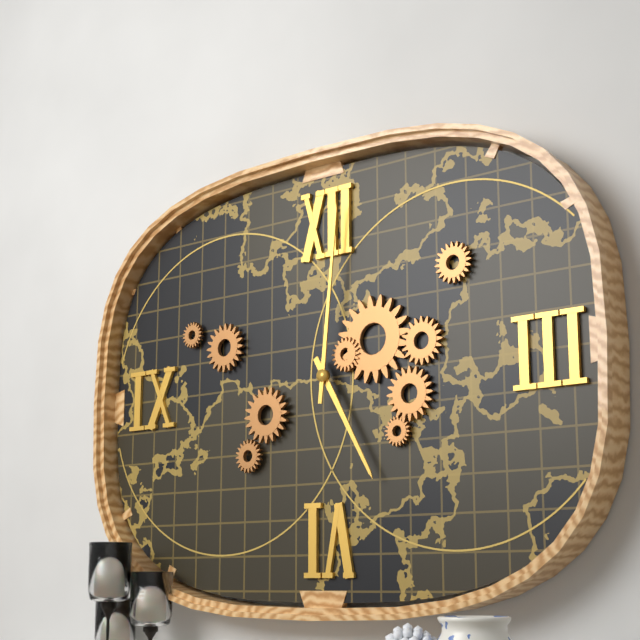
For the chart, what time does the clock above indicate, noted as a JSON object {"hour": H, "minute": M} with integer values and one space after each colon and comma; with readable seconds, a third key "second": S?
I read {"hour": 5, "minute": 1}
